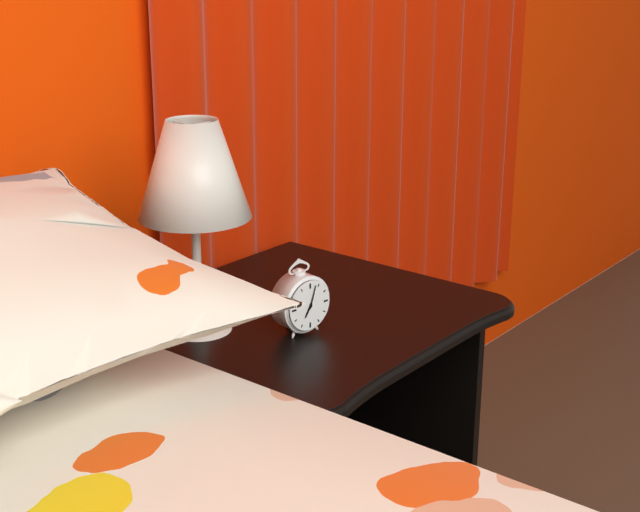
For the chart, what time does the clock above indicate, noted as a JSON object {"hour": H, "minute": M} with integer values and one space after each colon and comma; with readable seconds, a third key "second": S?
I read {"hour": 7, "minute": 3}
